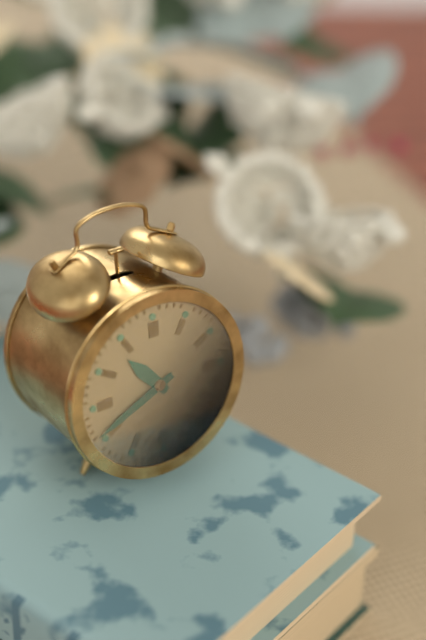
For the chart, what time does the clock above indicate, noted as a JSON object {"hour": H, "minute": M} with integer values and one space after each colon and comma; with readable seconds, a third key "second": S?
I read {"hour": 10, "minute": 41}
